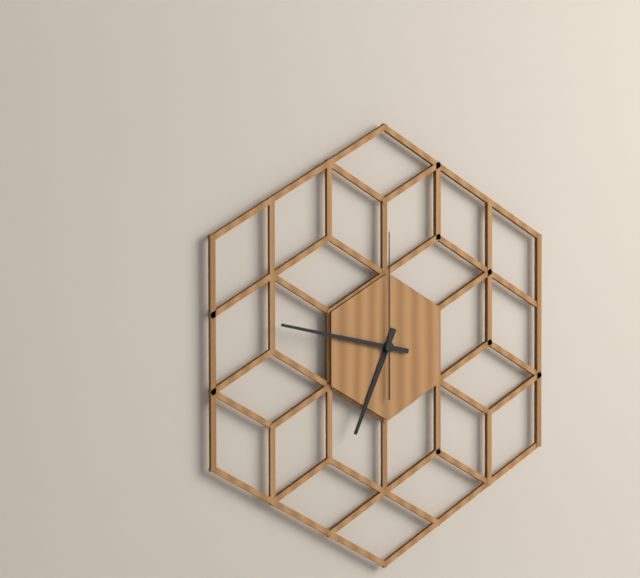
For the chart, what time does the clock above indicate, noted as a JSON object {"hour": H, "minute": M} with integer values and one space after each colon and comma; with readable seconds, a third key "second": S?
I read {"hour": 6, "minute": 47, "second": 0}
